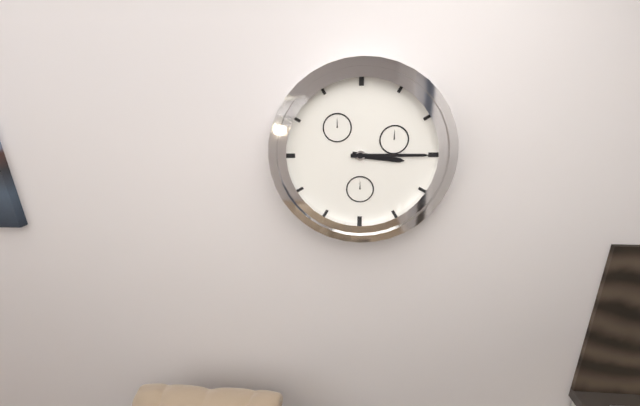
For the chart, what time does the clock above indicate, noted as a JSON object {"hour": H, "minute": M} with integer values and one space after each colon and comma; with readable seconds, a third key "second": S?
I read {"hour": 3, "minute": 15}
